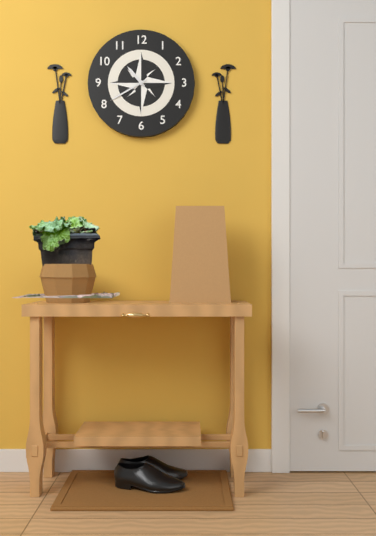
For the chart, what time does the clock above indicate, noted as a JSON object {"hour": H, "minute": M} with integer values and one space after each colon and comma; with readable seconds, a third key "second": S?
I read {"hour": 10, "minute": 40}
